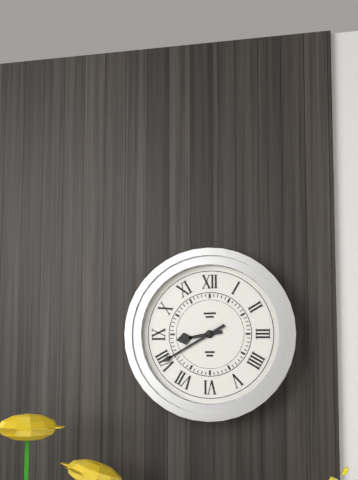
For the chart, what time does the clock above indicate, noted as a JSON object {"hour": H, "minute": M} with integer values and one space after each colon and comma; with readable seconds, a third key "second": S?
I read {"hour": 8, "minute": 40}
